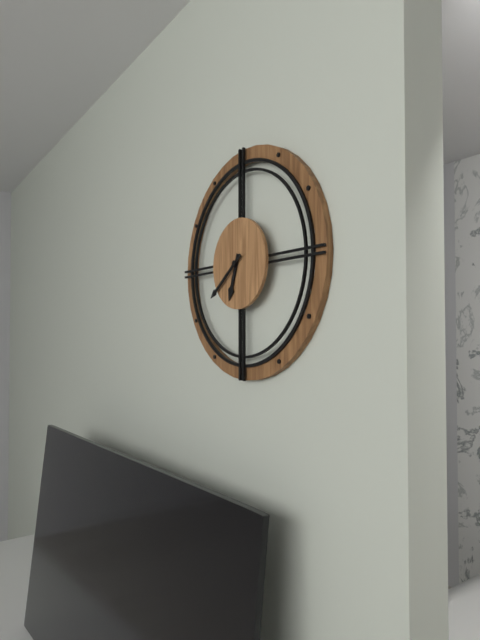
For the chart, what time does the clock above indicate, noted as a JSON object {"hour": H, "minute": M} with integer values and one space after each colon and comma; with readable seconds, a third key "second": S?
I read {"hour": 6, "minute": 39}
